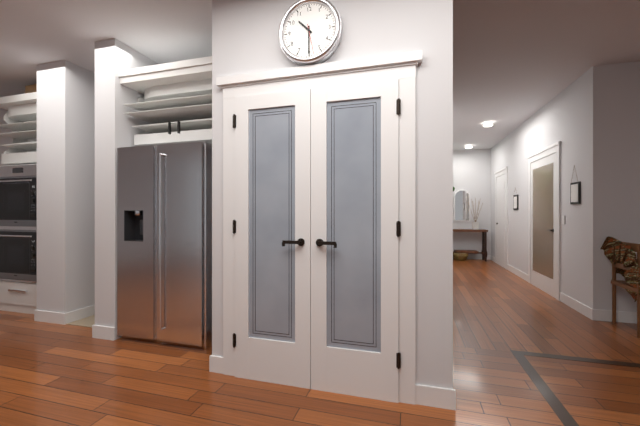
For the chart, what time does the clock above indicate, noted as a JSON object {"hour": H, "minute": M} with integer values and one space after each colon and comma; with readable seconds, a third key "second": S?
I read {"hour": 10, "minute": 30}
